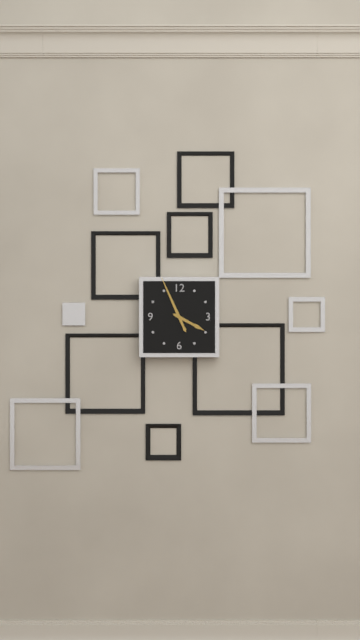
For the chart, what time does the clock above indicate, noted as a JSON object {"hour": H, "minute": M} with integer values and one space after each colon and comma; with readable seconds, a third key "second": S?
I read {"hour": 3, "minute": 56}
